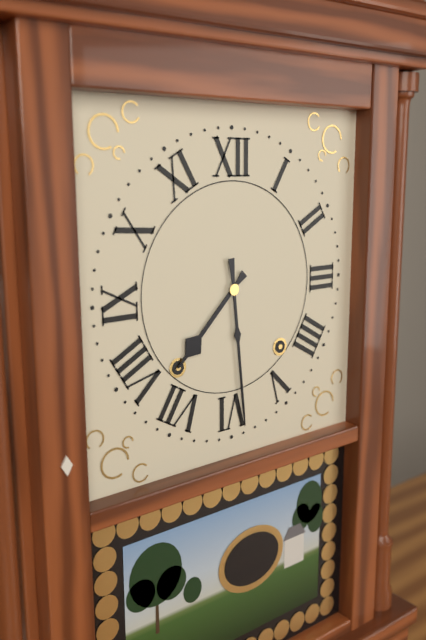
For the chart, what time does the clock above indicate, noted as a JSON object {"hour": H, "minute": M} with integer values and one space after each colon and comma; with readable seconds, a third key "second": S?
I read {"hour": 7, "minute": 29}
